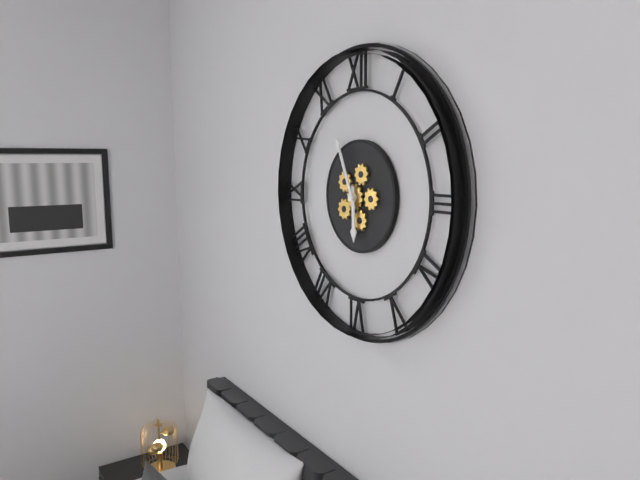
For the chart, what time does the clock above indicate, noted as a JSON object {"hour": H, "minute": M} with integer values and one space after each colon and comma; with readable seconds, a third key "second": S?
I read {"hour": 5, "minute": 56}
